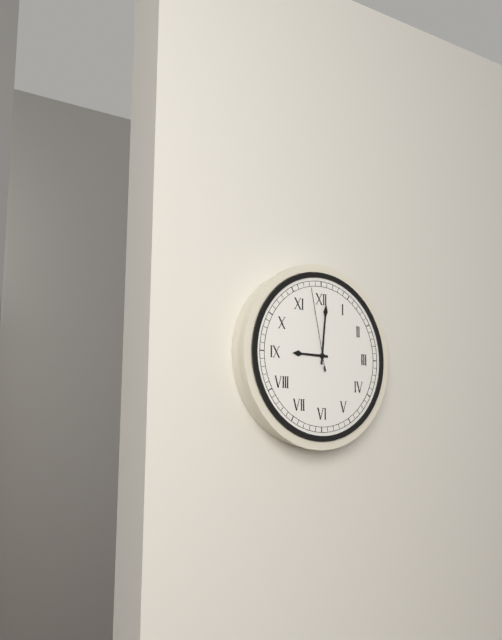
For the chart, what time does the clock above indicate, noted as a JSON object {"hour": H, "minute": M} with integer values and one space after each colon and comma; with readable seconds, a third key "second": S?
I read {"hour": 9, "minute": 1, "second": 58}
